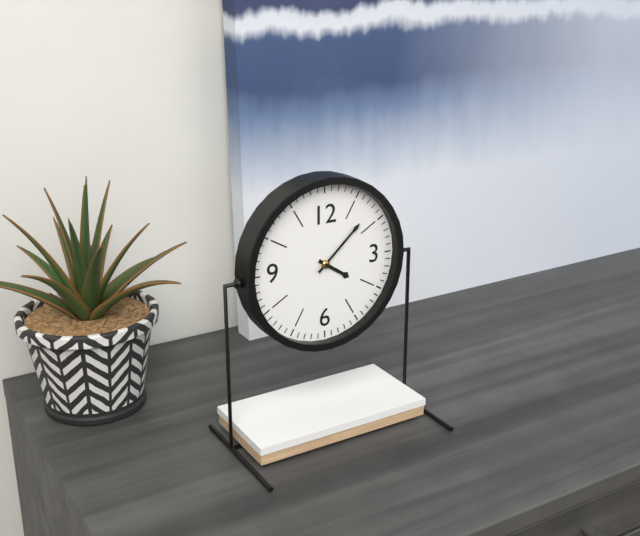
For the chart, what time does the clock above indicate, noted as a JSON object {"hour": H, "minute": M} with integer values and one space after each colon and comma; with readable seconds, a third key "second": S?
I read {"hour": 4, "minute": 8}
